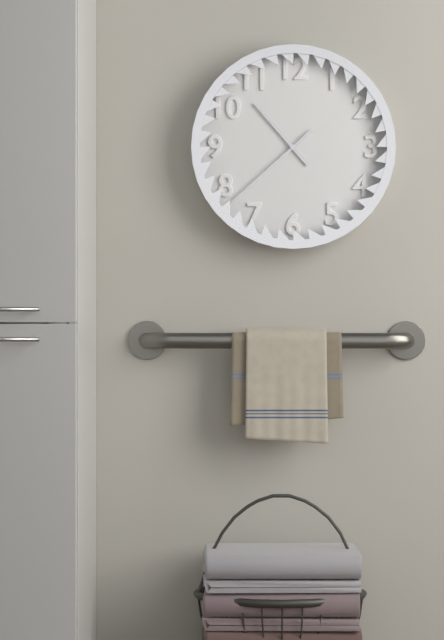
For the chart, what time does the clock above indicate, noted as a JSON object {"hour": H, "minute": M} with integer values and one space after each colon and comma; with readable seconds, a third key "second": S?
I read {"hour": 10, "minute": 38}
